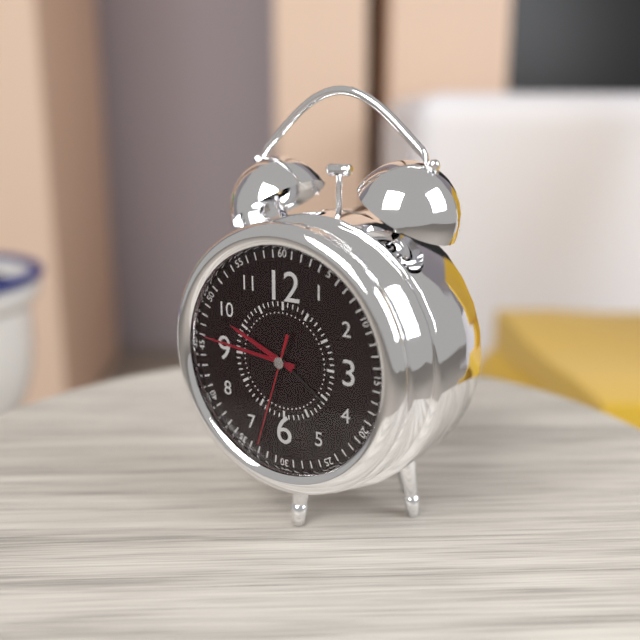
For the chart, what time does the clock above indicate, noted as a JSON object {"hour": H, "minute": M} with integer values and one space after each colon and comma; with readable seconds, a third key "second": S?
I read {"hour": 9, "minute": 46, "second": 33}
